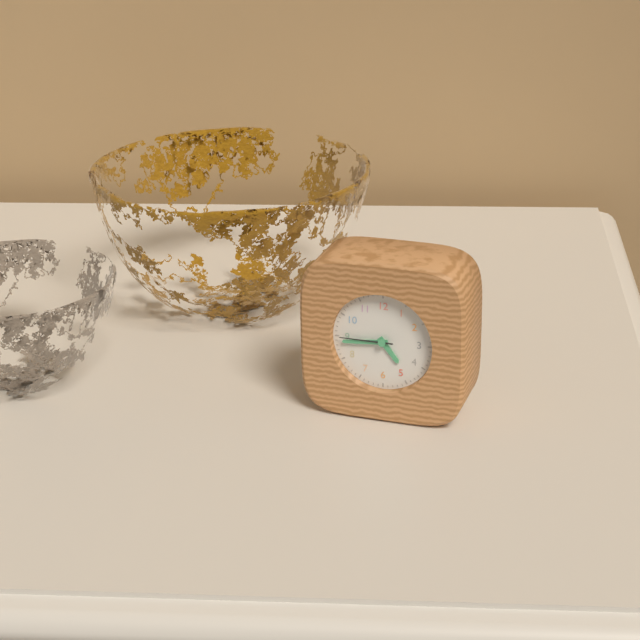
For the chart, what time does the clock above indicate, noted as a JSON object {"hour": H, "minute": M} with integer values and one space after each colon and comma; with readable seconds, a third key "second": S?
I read {"hour": 4, "minute": 44, "second": 45}
